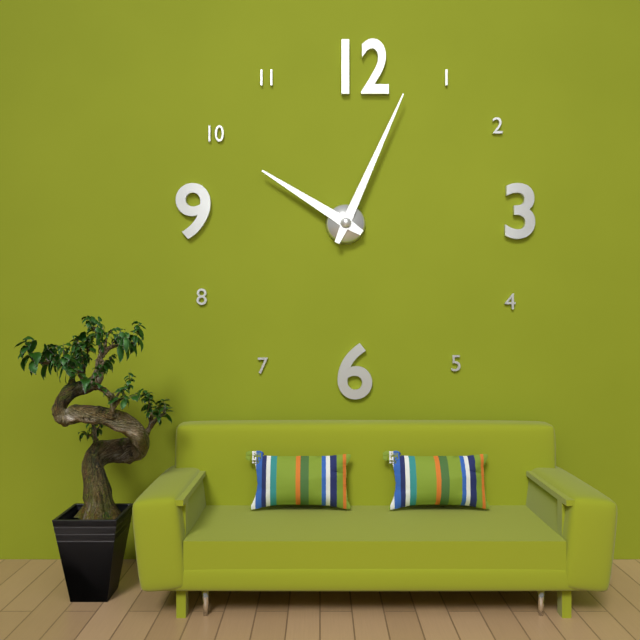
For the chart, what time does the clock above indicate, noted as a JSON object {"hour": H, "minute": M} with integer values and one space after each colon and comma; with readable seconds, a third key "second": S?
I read {"hour": 10, "minute": 4}
